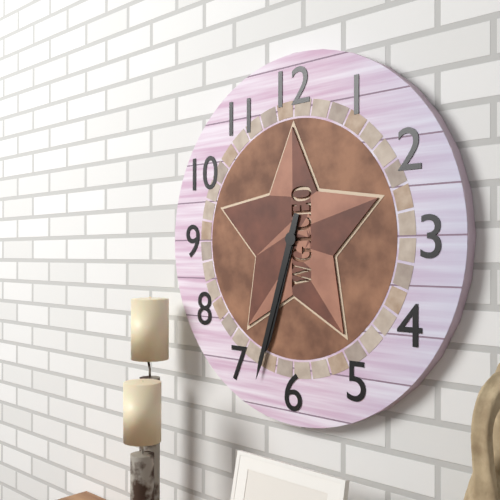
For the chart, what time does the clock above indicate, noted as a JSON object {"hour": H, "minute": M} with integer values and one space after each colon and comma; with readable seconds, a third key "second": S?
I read {"hour": 6, "minute": 33}
